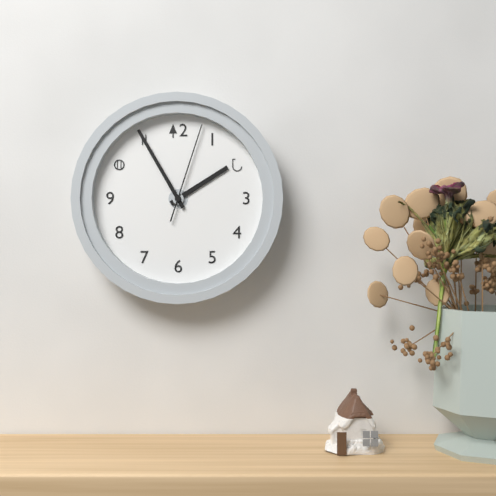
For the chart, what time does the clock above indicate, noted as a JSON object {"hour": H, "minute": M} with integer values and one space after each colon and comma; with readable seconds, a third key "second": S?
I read {"hour": 1, "minute": 55, "second": 3}
